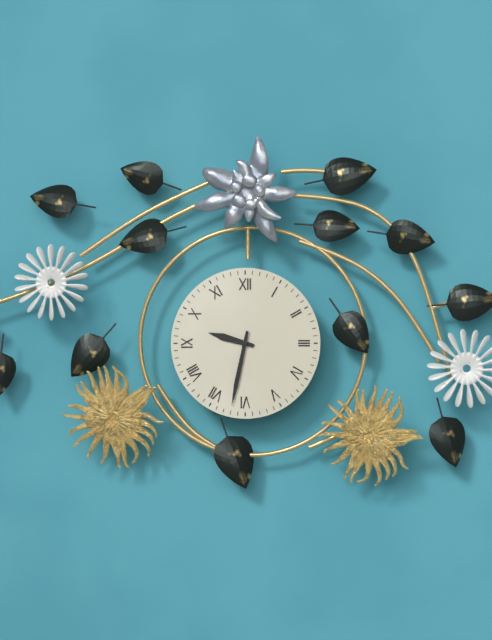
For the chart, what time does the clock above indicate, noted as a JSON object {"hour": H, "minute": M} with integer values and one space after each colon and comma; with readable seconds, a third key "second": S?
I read {"hour": 9, "minute": 32}
